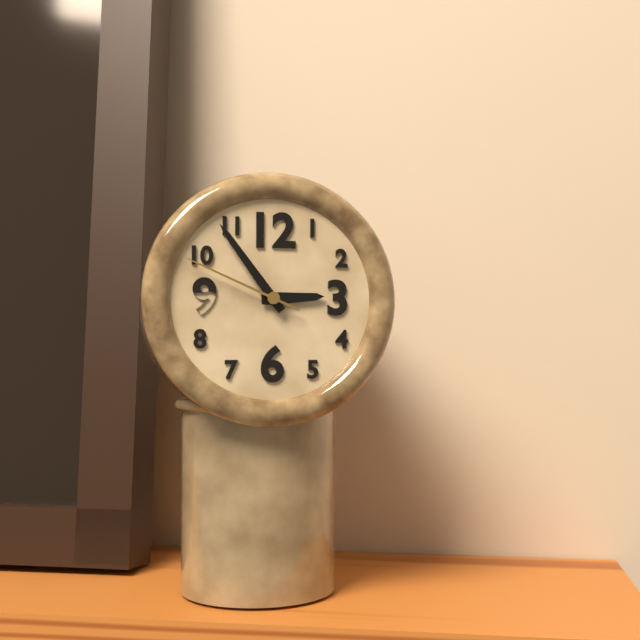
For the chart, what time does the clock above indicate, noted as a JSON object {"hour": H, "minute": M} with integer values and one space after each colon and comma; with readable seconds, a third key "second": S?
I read {"hour": 2, "minute": 54, "second": 49}
